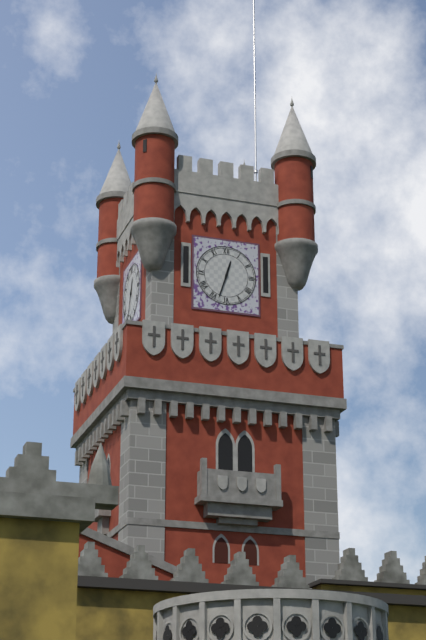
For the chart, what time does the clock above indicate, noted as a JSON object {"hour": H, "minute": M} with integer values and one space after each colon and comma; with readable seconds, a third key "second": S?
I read {"hour": 12, "minute": 33}
